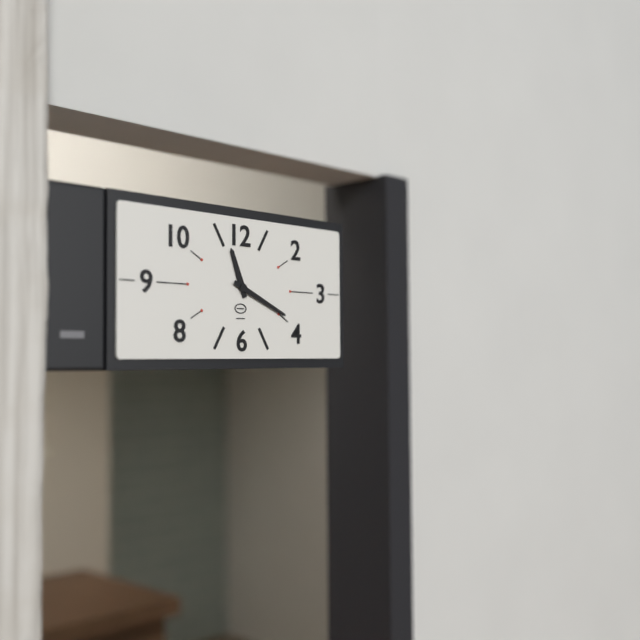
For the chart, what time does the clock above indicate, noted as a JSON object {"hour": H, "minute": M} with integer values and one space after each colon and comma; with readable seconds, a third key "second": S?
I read {"hour": 11, "minute": 19}
